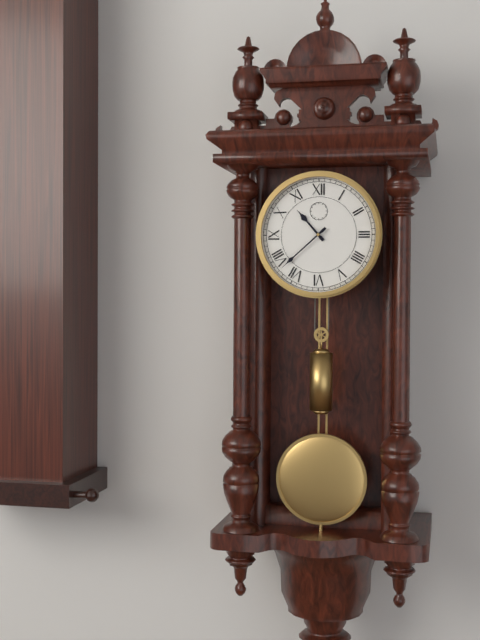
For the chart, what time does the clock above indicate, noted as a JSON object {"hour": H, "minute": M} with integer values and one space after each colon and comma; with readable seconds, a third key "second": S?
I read {"hour": 10, "minute": 38}
